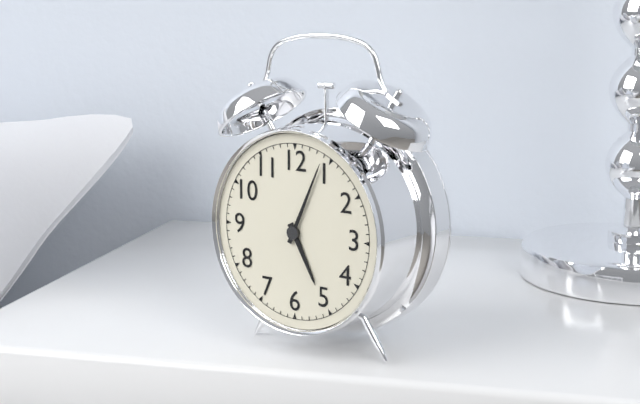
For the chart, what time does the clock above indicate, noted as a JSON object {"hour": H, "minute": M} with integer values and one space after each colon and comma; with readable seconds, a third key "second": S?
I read {"hour": 5, "minute": 4}
